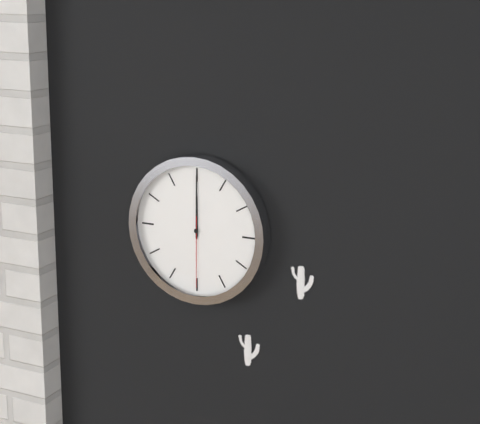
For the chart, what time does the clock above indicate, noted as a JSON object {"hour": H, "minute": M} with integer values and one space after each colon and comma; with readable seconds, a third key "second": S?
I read {"hour": 12, "minute": 0, "second": 30}
